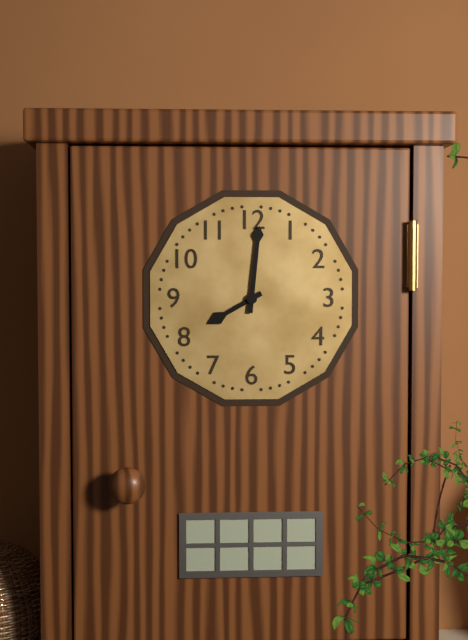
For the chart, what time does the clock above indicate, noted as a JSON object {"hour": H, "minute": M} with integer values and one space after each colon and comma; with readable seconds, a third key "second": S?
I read {"hour": 8, "minute": 1}
